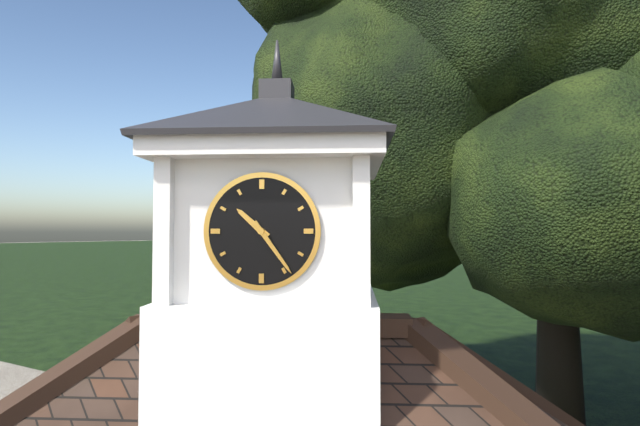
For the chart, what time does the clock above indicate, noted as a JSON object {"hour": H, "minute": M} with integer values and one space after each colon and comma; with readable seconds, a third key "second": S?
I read {"hour": 10, "minute": 24}
